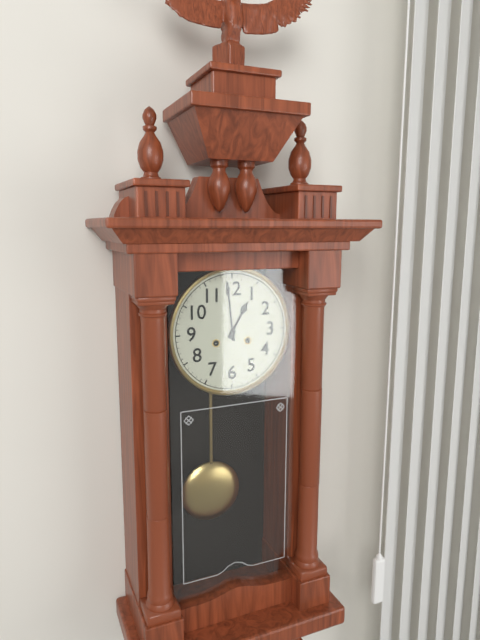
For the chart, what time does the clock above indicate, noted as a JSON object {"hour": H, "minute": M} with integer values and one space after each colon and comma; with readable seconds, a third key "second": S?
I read {"hour": 12, "minute": 59}
